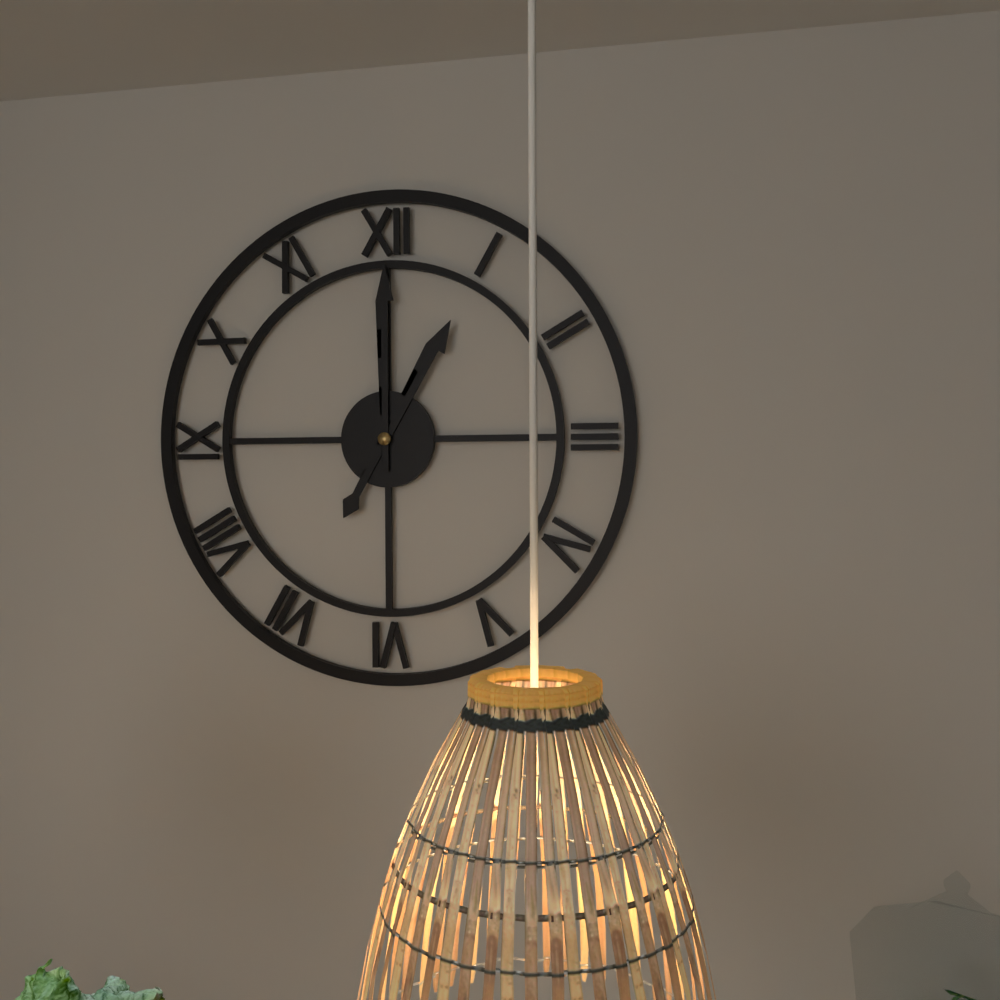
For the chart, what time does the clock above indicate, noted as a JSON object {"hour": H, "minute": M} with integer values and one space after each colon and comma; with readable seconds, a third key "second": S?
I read {"hour": 1, "minute": 0}
